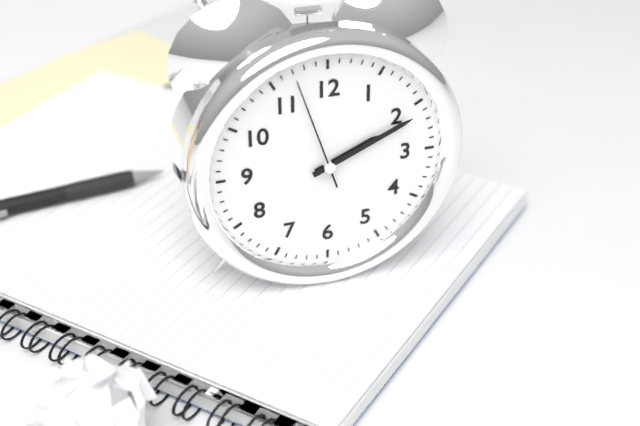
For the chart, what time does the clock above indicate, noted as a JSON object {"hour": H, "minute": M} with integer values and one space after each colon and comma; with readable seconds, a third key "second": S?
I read {"hour": 2, "minute": 11, "second": 57}
